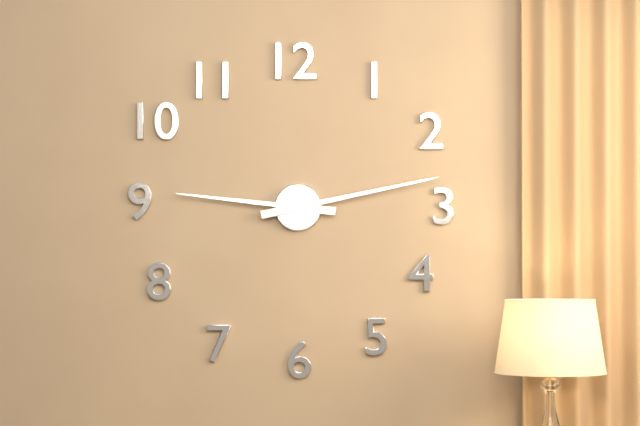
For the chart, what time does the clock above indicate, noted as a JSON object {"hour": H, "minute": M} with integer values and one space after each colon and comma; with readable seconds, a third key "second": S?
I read {"hour": 9, "minute": 13}
